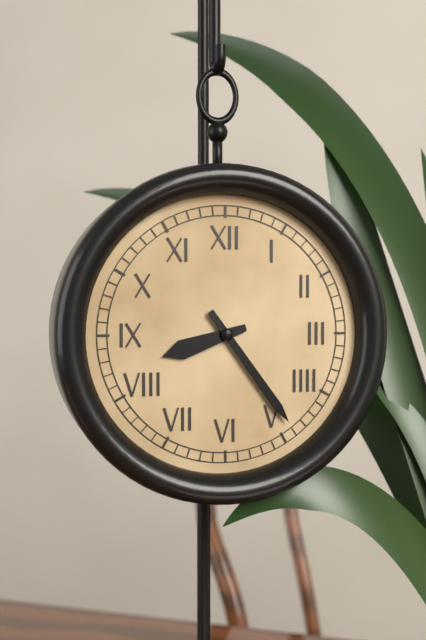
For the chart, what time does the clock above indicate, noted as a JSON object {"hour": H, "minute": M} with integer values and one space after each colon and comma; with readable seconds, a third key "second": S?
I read {"hour": 8, "minute": 24}
